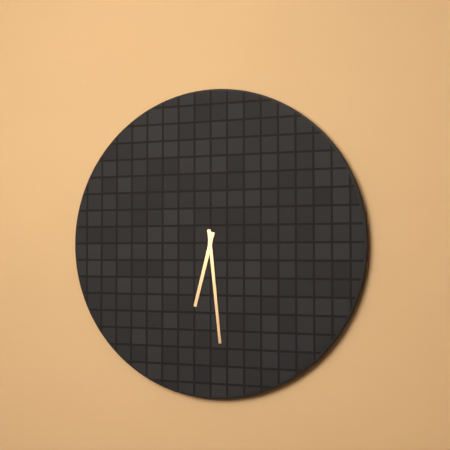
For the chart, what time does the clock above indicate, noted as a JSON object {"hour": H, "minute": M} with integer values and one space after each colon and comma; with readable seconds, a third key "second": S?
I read {"hour": 6, "minute": 29}
